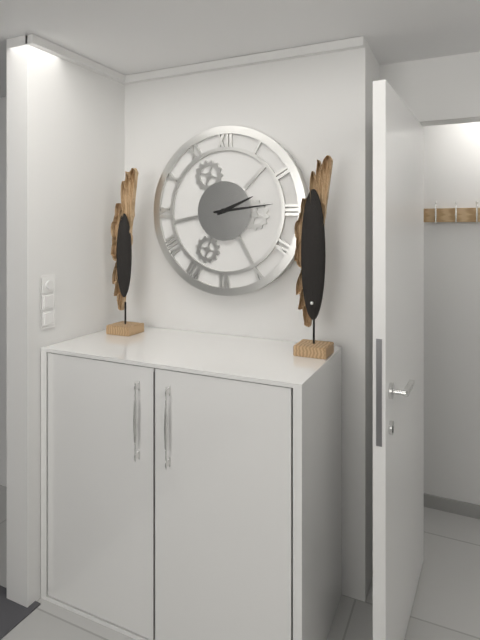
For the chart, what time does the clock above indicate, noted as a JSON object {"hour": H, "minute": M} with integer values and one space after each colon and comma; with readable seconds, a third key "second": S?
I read {"hour": 2, "minute": 14}
